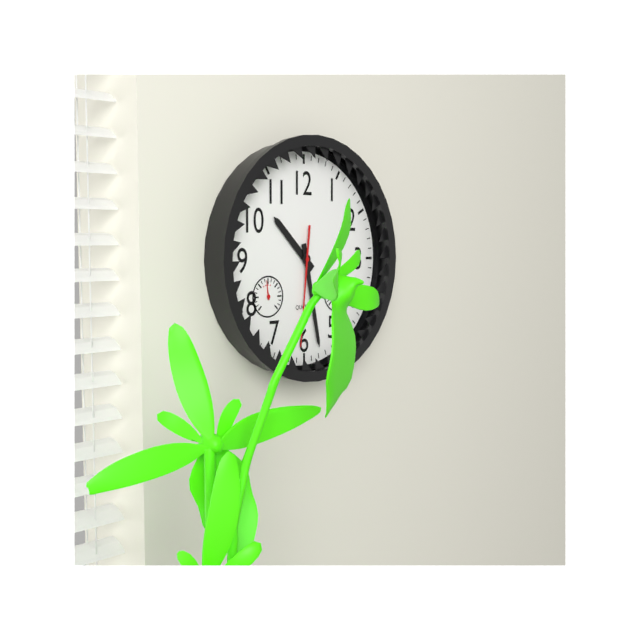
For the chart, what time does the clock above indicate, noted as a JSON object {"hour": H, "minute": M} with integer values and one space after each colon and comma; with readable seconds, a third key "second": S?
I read {"hour": 10, "minute": 28, "second": 31}
